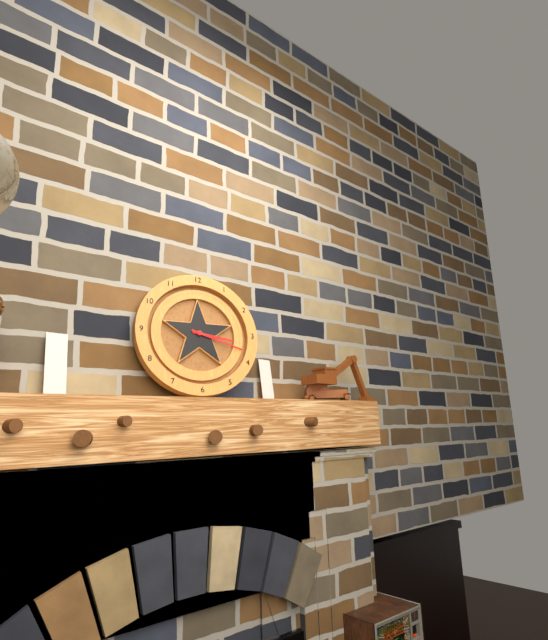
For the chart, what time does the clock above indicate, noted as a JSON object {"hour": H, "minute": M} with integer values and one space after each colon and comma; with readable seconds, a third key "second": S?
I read {"hour": 3, "minute": 18}
